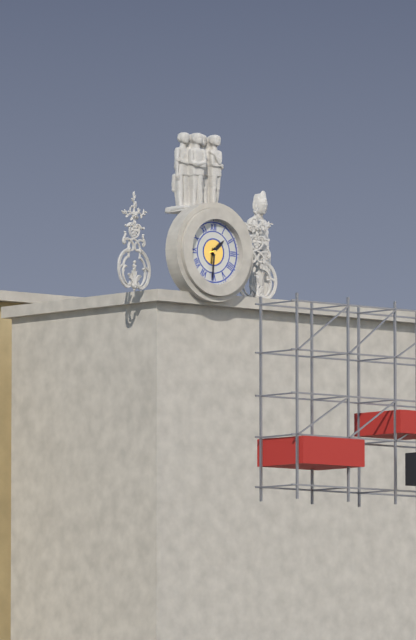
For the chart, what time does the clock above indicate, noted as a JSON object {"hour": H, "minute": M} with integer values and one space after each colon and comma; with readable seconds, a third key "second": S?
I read {"hour": 1, "minute": 31}
